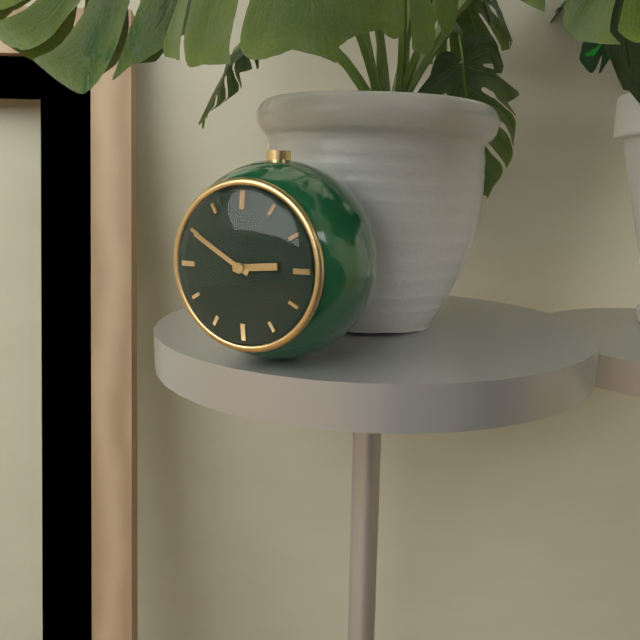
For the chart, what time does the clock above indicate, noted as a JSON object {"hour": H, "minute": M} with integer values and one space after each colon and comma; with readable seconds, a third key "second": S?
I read {"hour": 2, "minute": 50}
